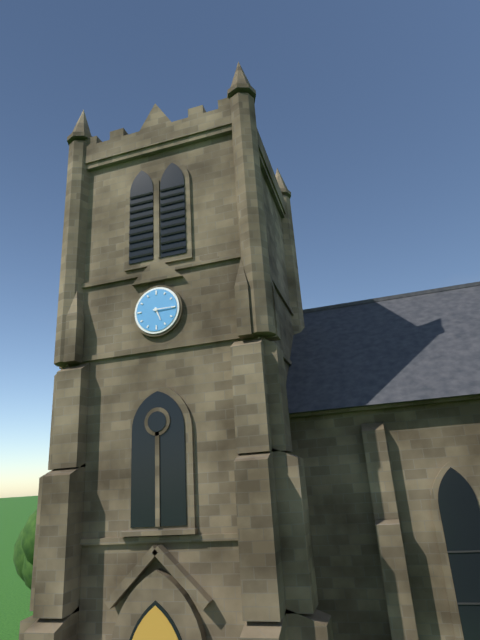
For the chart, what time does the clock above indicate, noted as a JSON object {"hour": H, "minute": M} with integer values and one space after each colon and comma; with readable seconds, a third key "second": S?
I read {"hour": 5, "minute": 15}
